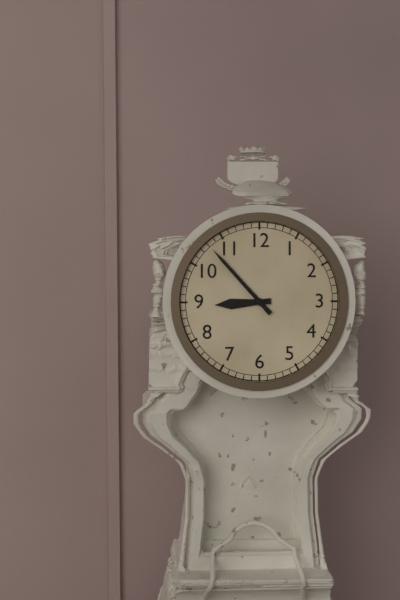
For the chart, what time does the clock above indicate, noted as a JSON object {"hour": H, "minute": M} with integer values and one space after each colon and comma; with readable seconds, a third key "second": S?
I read {"hour": 8, "minute": 53}
